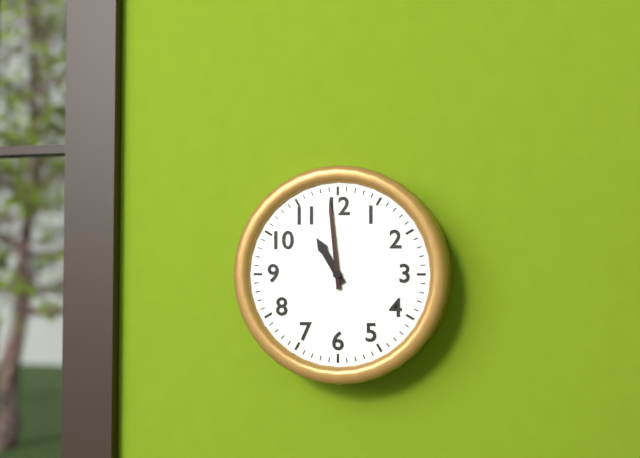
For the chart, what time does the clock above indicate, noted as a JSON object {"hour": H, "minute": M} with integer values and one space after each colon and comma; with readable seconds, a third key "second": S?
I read {"hour": 10, "minute": 59}
